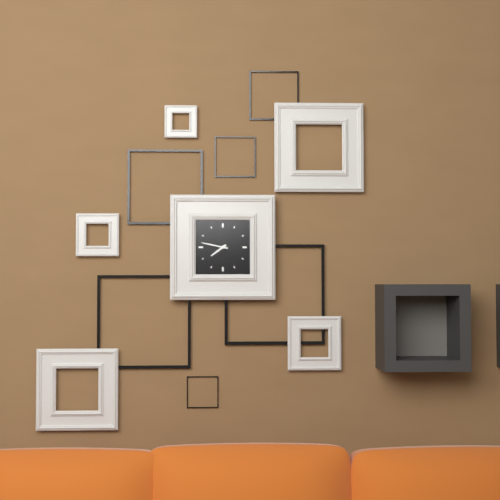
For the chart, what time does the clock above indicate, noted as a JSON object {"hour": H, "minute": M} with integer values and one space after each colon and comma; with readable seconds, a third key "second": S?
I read {"hour": 7, "minute": 47}
